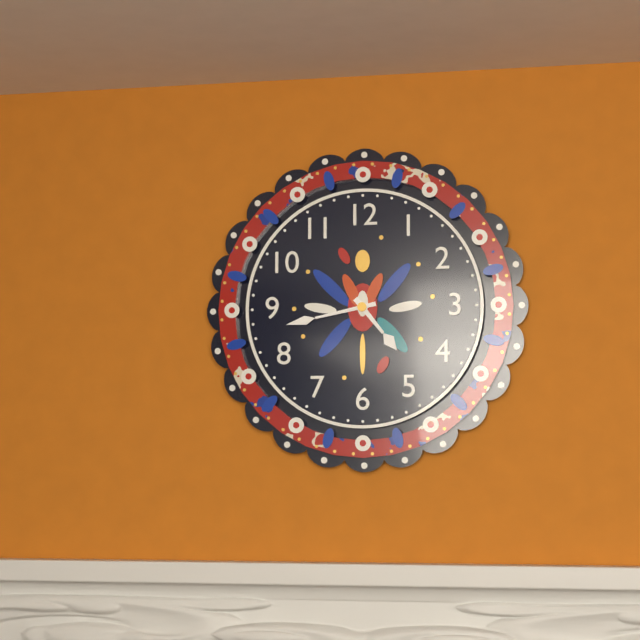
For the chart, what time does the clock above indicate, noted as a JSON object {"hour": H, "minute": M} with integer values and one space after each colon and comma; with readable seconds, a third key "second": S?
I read {"hour": 4, "minute": 43}
